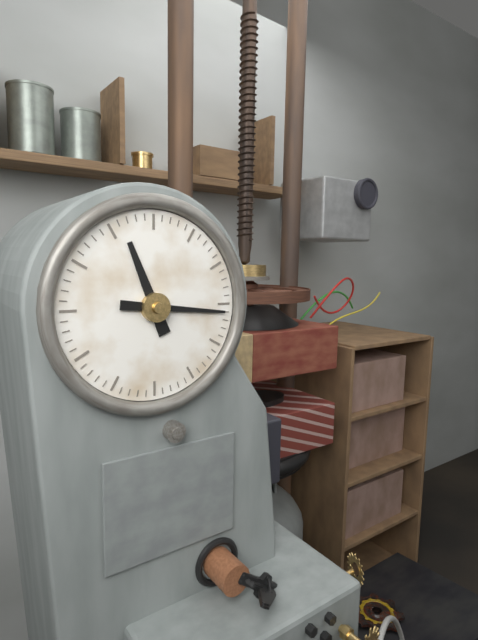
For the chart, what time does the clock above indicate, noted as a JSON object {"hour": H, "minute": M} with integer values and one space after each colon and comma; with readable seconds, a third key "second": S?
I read {"hour": 11, "minute": 16}
